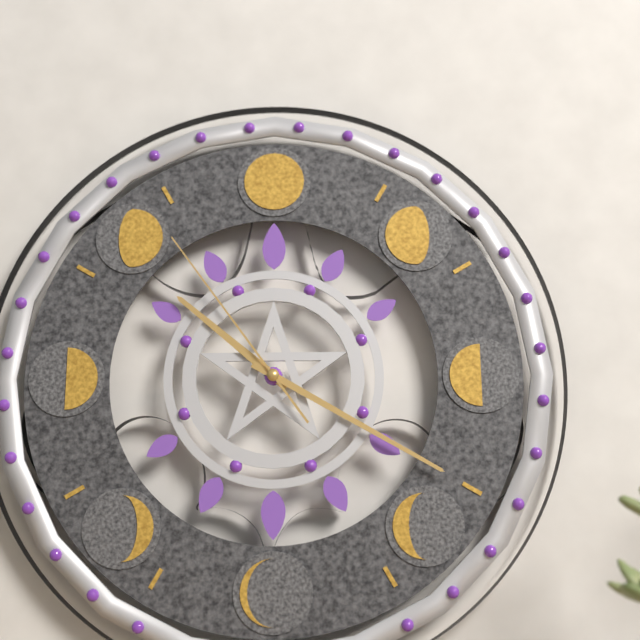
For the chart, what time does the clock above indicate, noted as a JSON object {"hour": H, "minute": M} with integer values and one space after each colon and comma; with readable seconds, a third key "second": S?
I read {"hour": 10, "minute": 20, "second": 54}
